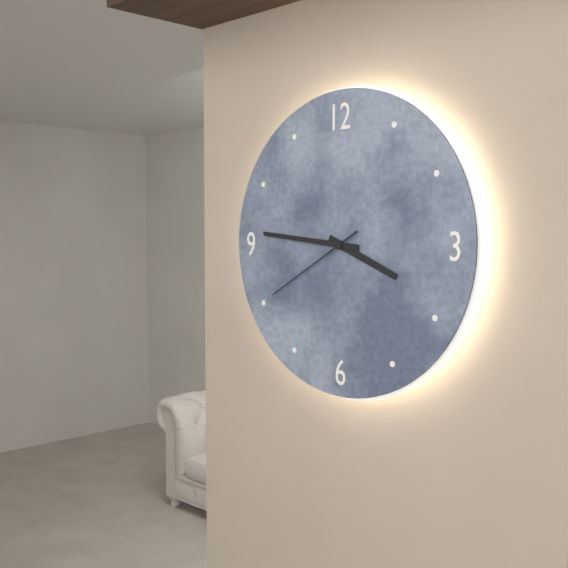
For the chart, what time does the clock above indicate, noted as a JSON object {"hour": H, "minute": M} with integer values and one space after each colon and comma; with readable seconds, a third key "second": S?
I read {"hour": 3, "minute": 46, "second": 40}
